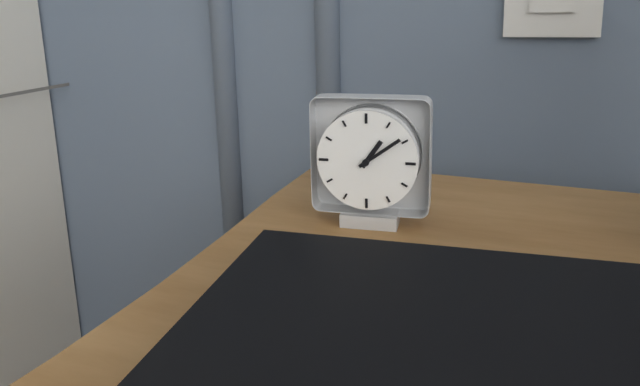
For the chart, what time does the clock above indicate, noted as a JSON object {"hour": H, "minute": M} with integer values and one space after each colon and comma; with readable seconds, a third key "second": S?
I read {"hour": 1, "minute": 9}
